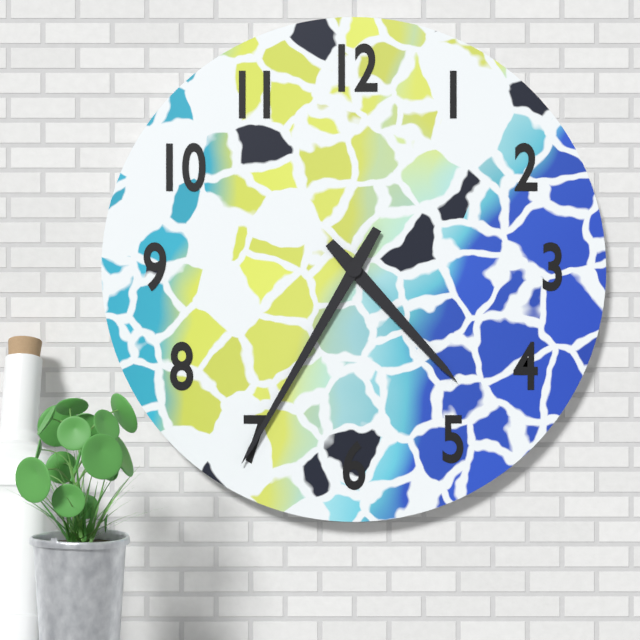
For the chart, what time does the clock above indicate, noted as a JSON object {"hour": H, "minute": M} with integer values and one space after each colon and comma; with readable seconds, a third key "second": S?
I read {"hour": 4, "minute": 35}
